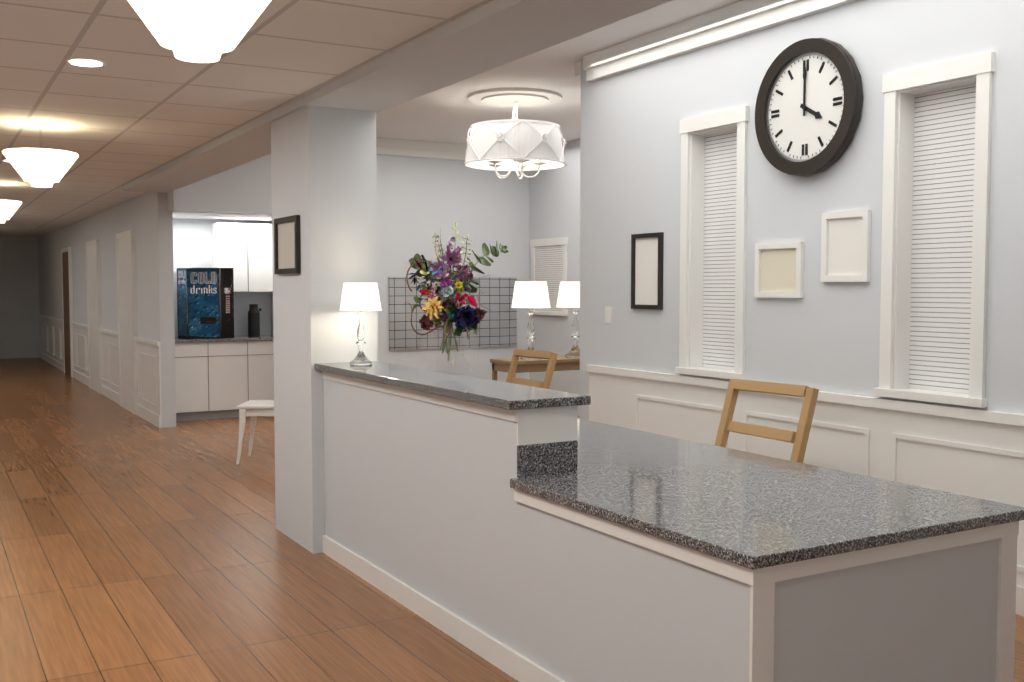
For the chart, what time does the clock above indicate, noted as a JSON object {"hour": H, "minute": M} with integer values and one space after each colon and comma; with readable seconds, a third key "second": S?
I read {"hour": 4, "minute": 0}
